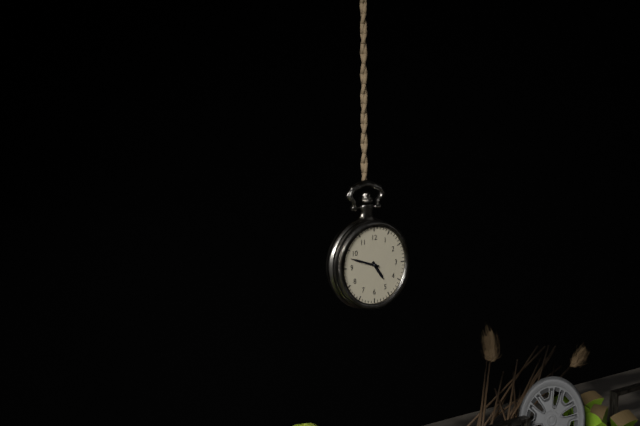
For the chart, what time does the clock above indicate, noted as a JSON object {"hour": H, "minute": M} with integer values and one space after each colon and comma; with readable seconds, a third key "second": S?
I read {"hour": 4, "minute": 48}
